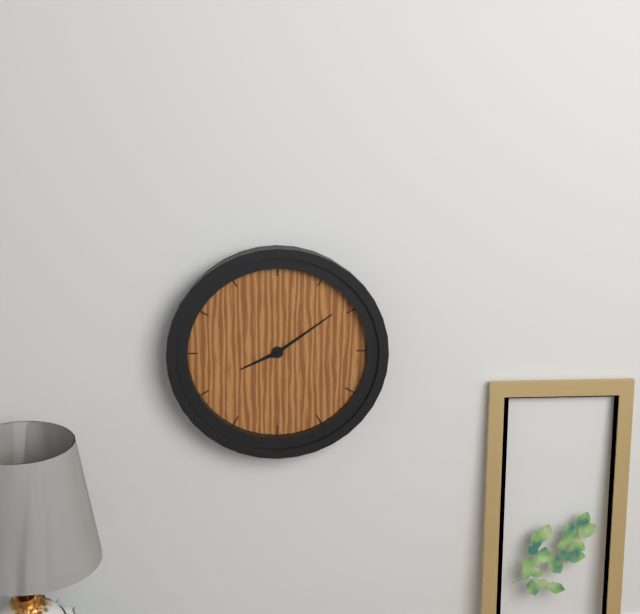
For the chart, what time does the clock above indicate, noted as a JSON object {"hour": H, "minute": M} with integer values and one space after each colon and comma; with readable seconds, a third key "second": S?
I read {"hour": 8, "minute": 9}
